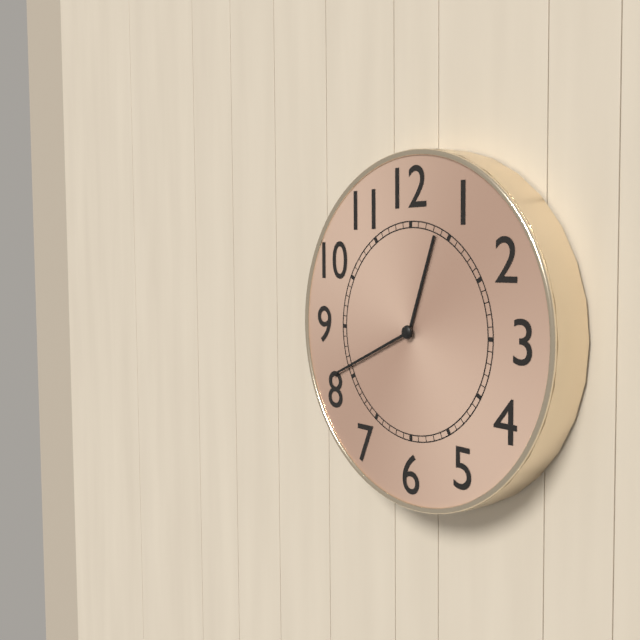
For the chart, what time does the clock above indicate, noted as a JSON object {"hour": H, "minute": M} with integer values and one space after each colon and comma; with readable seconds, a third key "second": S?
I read {"hour": 12, "minute": 41}
